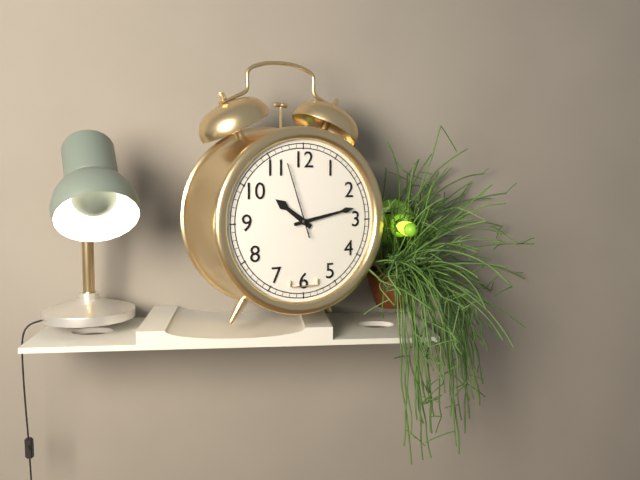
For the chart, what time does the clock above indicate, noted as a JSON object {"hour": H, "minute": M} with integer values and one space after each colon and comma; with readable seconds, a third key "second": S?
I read {"hour": 10, "minute": 13, "second": 57}
